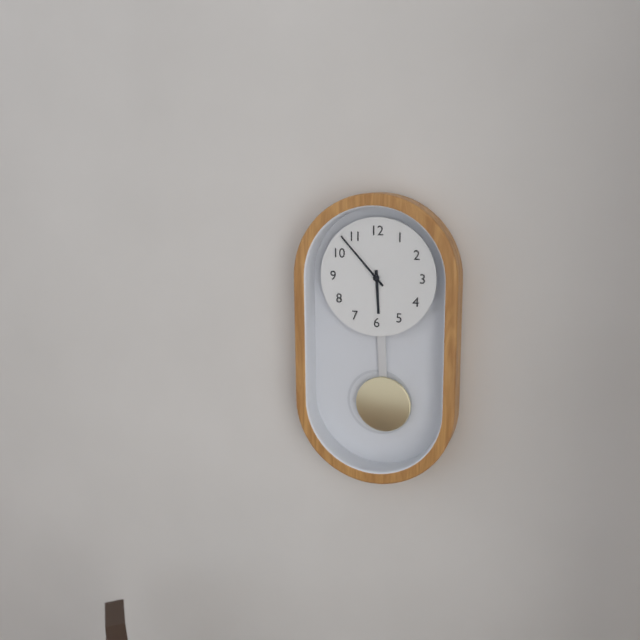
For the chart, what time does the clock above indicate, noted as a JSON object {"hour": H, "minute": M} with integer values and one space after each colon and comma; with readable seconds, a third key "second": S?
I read {"hour": 5, "minute": 53}
